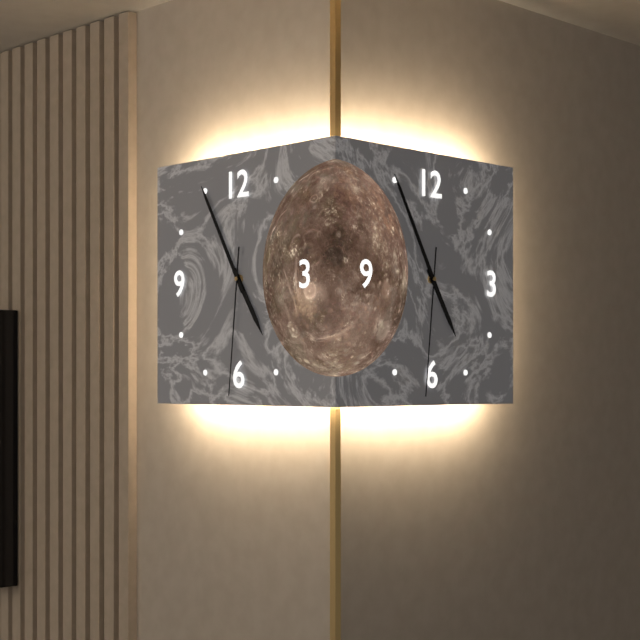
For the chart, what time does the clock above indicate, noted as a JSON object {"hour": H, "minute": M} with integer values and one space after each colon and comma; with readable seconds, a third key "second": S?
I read {"hour": 4, "minute": 55, "second": 31}
